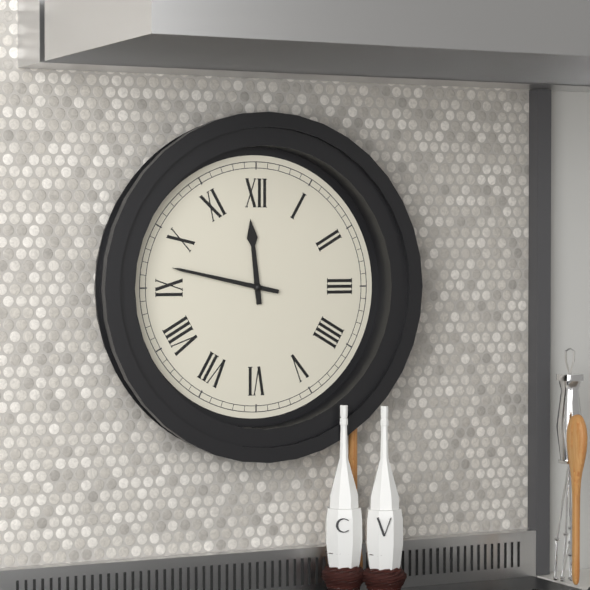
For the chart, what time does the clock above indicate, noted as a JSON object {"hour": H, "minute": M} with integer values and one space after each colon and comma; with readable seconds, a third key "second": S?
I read {"hour": 11, "minute": 47}
